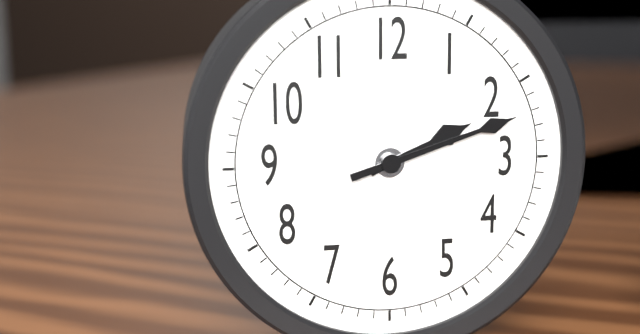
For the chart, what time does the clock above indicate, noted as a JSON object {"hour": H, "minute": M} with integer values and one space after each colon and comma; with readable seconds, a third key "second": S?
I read {"hour": 2, "minute": 12}
